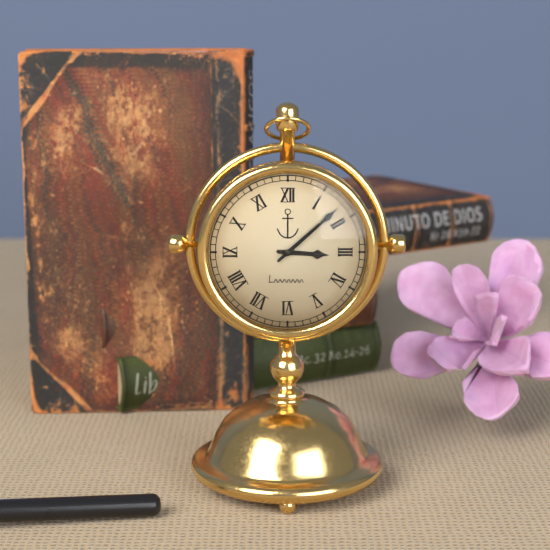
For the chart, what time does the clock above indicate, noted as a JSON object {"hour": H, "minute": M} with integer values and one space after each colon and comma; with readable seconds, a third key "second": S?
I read {"hour": 3, "minute": 8}
